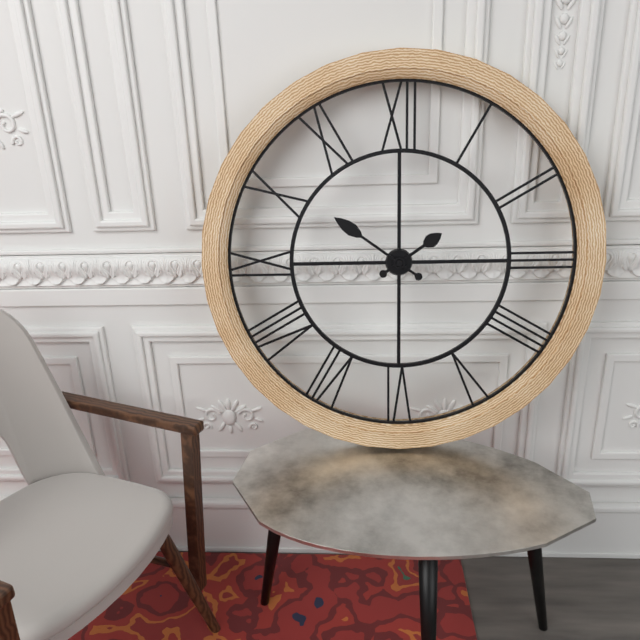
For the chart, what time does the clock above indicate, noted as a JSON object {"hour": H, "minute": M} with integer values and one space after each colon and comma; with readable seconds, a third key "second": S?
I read {"hour": 1, "minute": 51}
